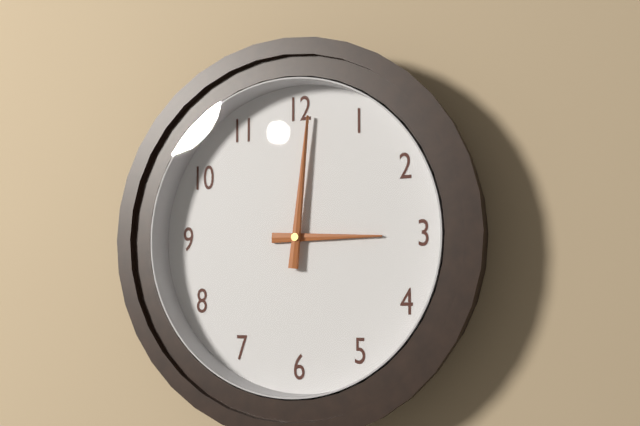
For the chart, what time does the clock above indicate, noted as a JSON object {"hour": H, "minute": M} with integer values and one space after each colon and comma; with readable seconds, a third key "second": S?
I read {"hour": 3, "minute": 1}
